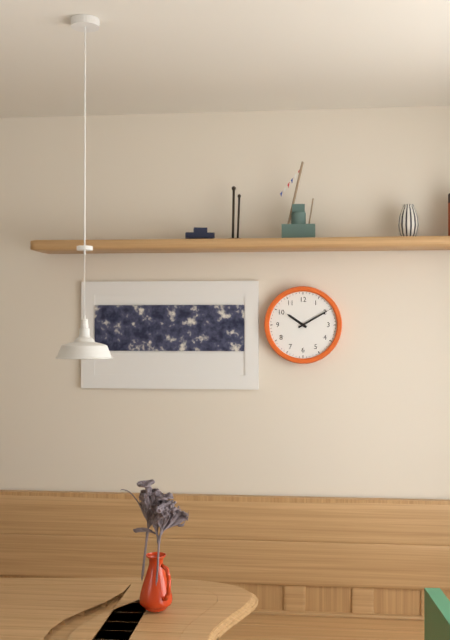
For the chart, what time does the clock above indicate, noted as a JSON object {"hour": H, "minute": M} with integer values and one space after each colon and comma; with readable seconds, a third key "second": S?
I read {"hour": 10, "minute": 10}
